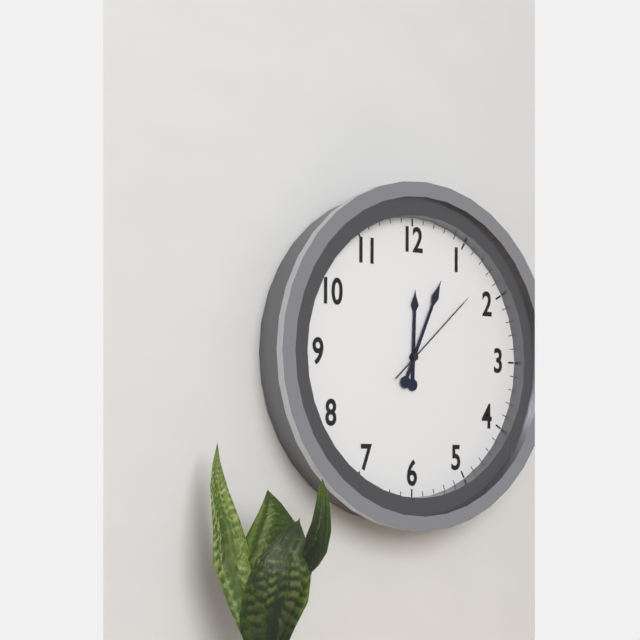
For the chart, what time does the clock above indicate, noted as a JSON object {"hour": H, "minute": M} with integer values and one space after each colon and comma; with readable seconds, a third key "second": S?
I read {"hour": 12, "minute": 4, "second": 8}
